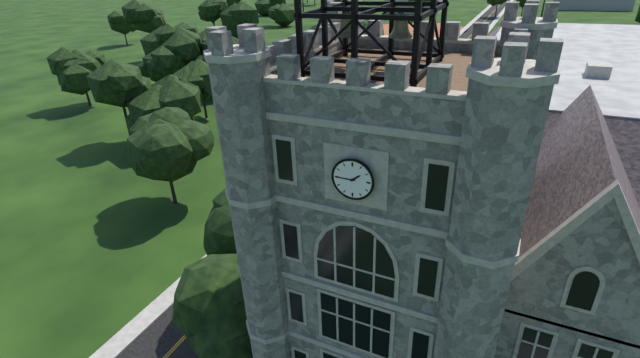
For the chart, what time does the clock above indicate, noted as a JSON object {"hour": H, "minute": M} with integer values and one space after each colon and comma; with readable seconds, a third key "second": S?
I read {"hour": 1, "minute": 45}
